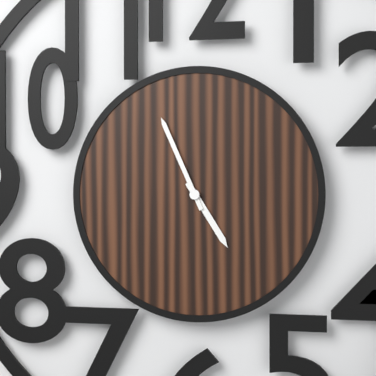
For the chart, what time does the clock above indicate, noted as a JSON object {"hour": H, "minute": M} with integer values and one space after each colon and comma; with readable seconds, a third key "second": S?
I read {"hour": 4, "minute": 56}
